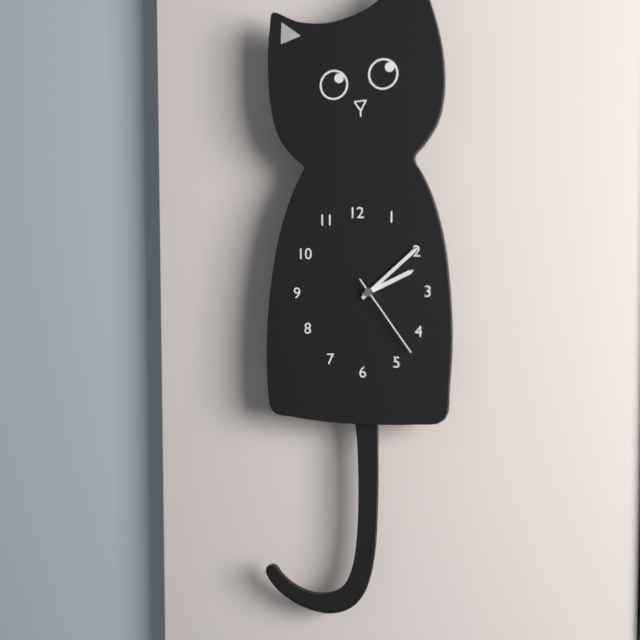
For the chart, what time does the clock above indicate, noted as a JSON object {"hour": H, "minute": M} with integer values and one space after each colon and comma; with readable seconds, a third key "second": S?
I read {"hour": 2, "minute": 8, "second": 24}
